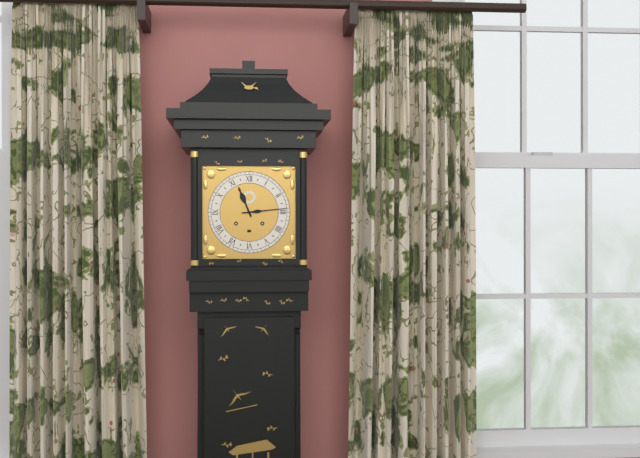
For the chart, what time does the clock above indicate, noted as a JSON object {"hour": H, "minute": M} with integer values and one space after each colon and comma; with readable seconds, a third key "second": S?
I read {"hour": 11, "minute": 14}
